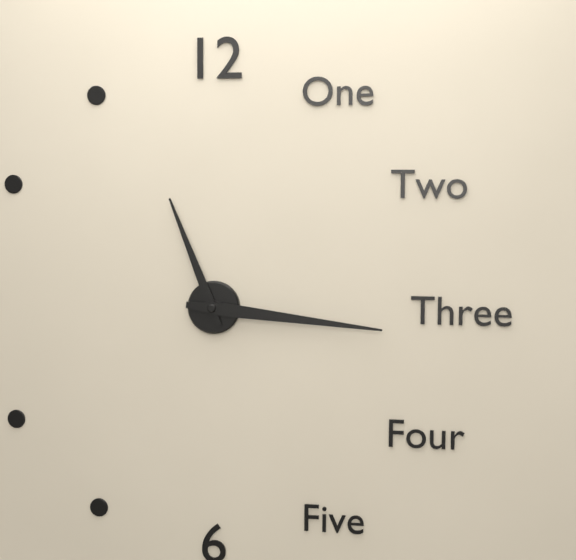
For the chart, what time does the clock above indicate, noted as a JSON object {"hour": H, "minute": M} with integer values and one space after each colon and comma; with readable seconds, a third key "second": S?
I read {"hour": 11, "minute": 16}
